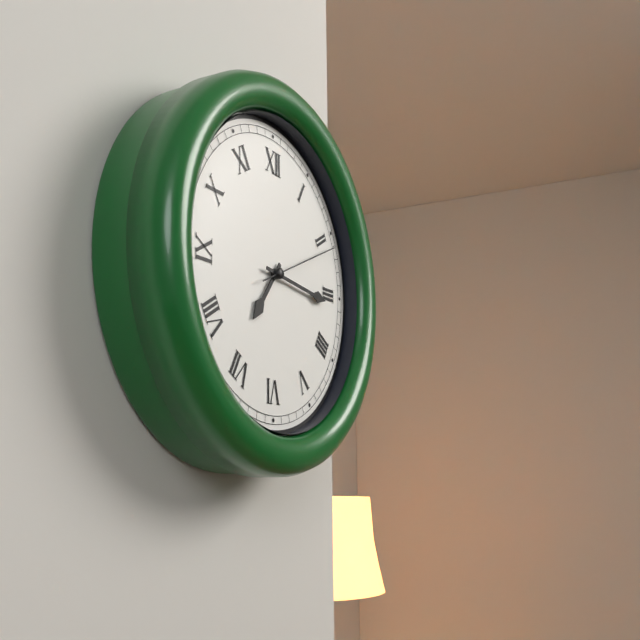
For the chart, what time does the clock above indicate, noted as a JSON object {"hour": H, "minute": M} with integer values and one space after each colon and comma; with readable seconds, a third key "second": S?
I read {"hour": 7, "minute": 16, "second": 11}
